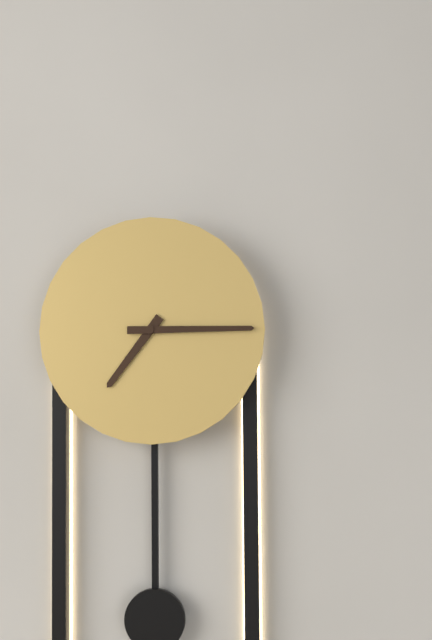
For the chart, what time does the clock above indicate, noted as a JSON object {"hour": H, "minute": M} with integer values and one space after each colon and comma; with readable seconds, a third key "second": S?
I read {"hour": 7, "minute": 15}
